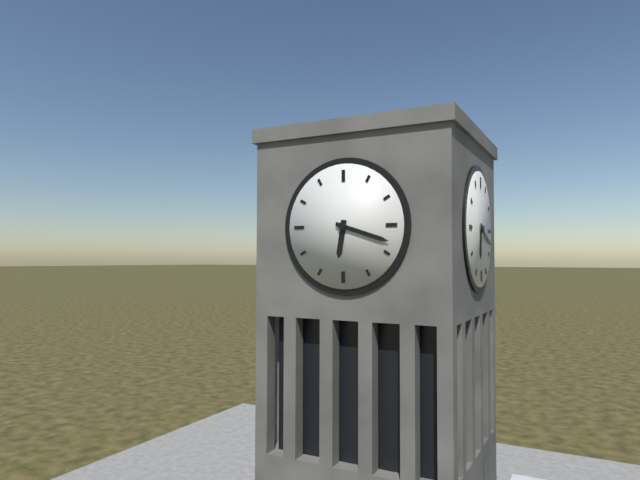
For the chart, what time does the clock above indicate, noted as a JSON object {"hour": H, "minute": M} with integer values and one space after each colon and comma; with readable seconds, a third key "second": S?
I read {"hour": 6, "minute": 18}
